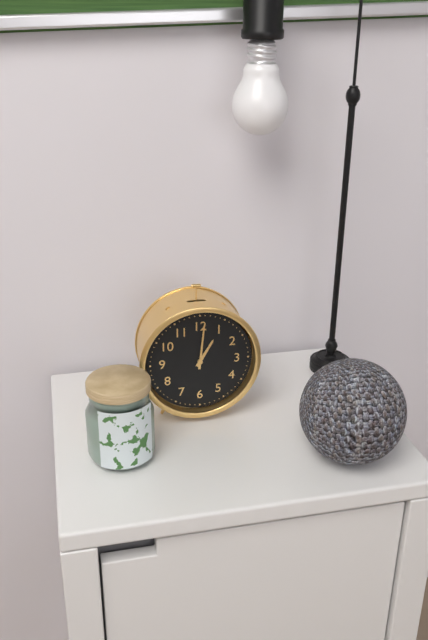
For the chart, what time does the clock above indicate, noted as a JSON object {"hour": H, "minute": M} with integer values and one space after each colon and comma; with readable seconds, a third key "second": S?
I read {"hour": 1, "minute": 1}
